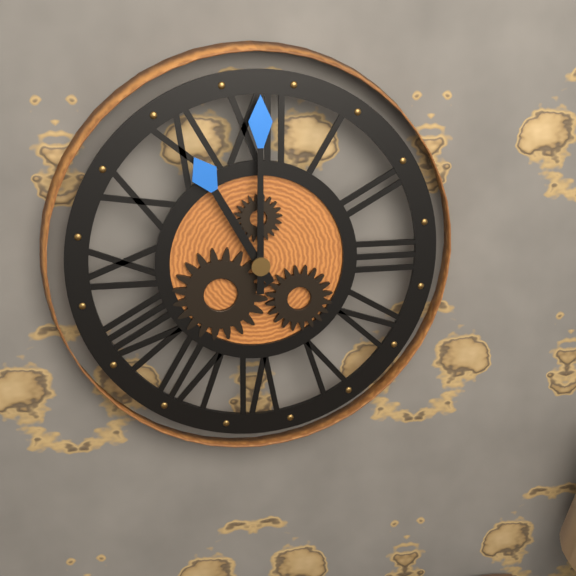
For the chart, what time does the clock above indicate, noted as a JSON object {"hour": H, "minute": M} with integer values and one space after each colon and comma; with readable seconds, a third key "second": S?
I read {"hour": 11, "minute": 0}
